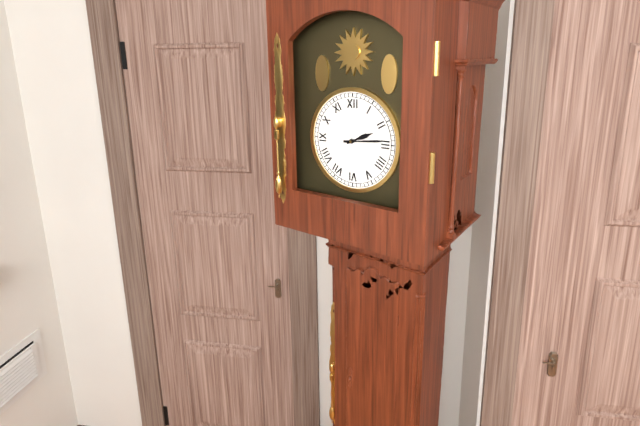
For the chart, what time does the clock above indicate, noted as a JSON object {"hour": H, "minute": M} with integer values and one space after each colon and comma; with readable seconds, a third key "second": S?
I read {"hour": 2, "minute": 14}
